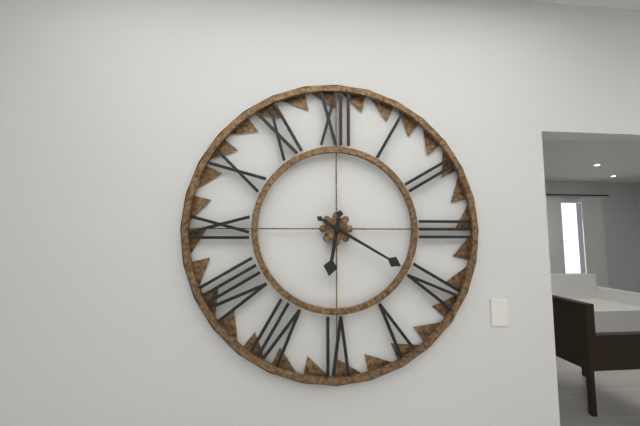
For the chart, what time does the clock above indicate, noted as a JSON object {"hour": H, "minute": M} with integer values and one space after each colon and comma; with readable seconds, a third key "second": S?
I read {"hour": 6, "minute": 20}
